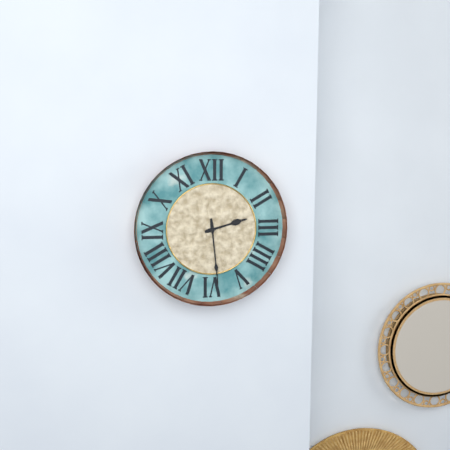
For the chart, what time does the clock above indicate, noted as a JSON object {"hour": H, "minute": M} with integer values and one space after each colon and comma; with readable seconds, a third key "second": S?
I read {"hour": 2, "minute": 29}
